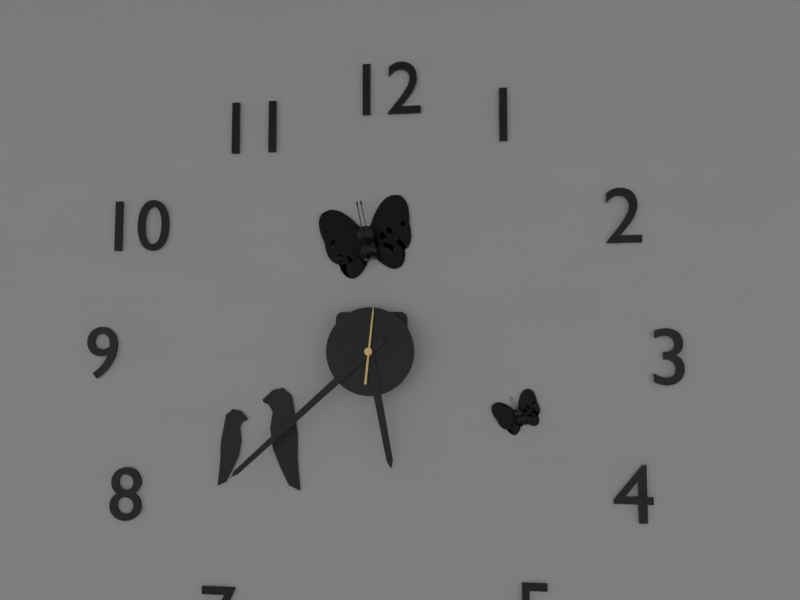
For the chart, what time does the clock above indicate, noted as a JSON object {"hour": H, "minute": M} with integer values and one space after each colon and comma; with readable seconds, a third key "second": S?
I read {"hour": 5, "minute": 38, "second": 1}
